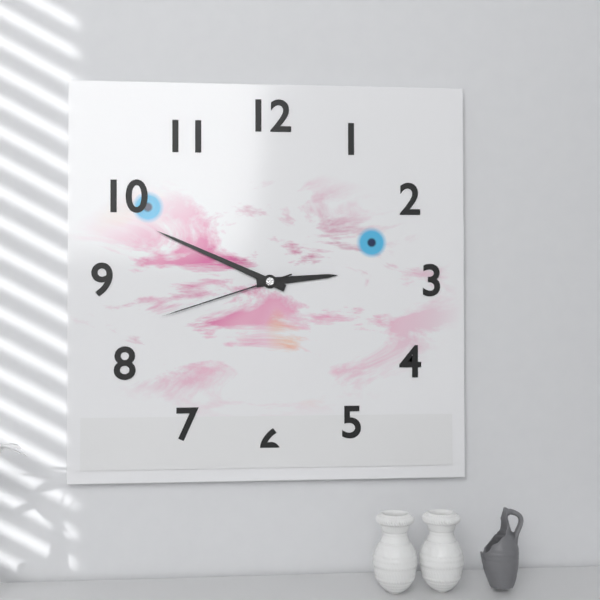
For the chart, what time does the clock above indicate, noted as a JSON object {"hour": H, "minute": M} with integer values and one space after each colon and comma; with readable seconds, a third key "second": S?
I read {"hour": 2, "minute": 49, "second": 42}
